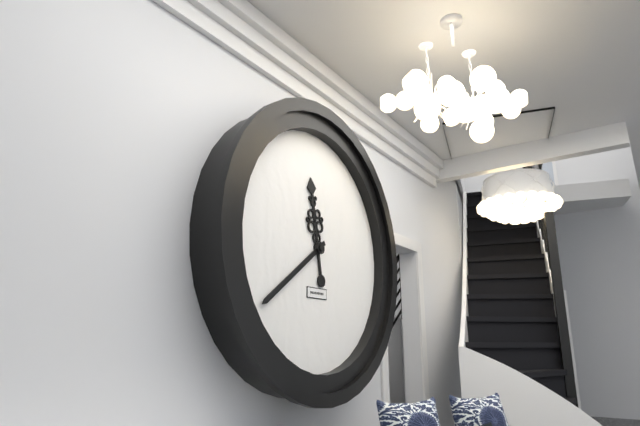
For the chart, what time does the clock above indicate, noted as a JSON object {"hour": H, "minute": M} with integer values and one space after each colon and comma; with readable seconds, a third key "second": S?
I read {"hour": 11, "minute": 39}
